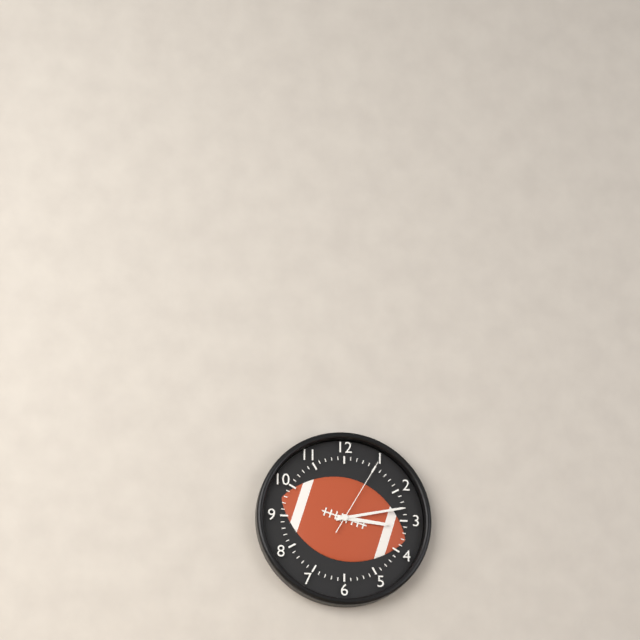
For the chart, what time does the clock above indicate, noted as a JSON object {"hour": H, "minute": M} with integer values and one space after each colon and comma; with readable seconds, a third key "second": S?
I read {"hour": 3, "minute": 13, "second": 5}
